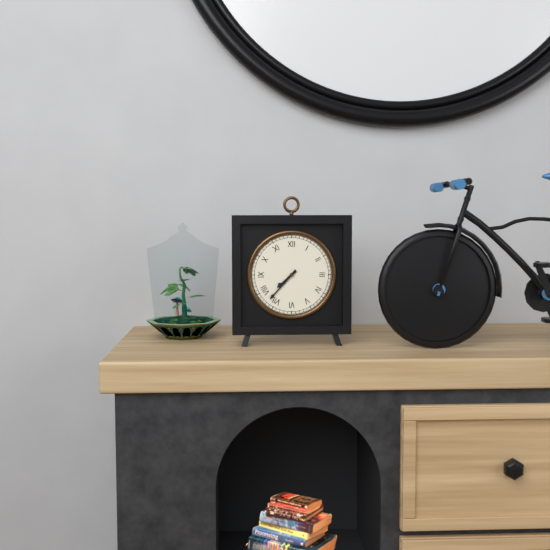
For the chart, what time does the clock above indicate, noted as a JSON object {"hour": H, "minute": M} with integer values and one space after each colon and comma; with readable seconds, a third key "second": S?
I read {"hour": 7, "minute": 37}
